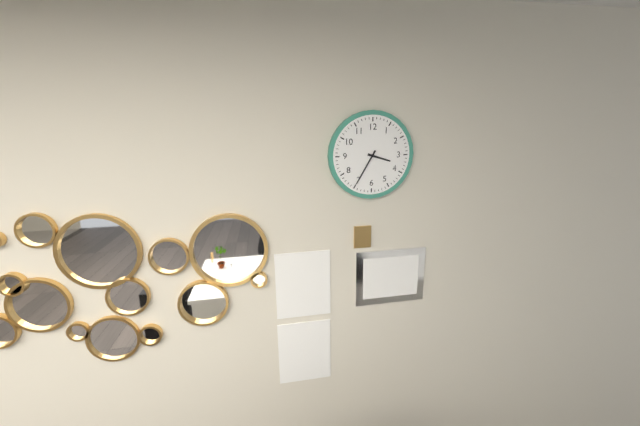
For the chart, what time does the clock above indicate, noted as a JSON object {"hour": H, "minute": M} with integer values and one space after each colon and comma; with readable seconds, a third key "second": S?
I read {"hour": 3, "minute": 35}
